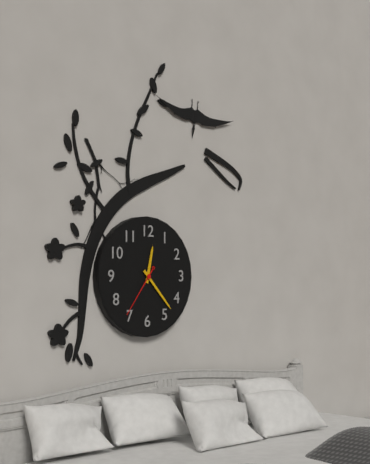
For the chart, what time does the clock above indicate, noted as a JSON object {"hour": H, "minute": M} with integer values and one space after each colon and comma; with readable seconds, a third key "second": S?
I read {"hour": 12, "minute": 23, "second": 36}
